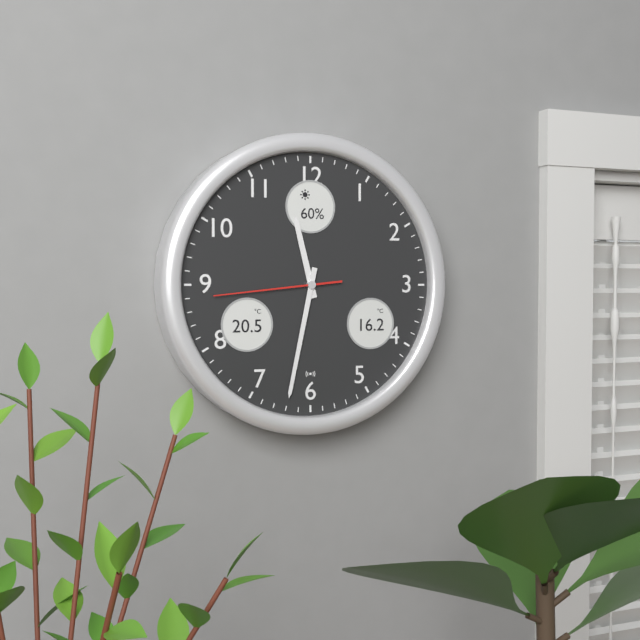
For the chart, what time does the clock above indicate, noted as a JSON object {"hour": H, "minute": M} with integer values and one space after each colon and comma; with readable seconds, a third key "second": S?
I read {"hour": 11, "minute": 32, "second": 44}
